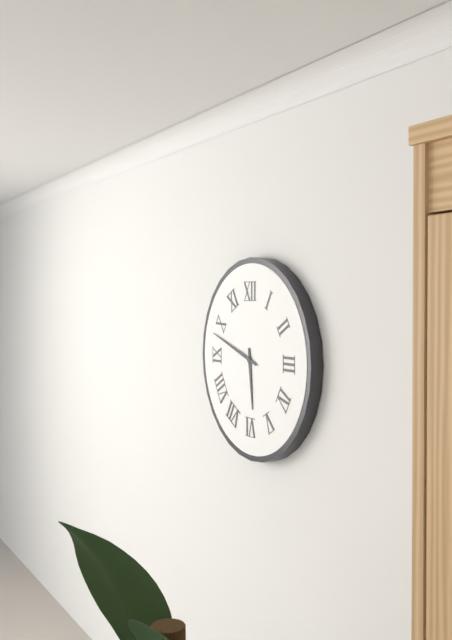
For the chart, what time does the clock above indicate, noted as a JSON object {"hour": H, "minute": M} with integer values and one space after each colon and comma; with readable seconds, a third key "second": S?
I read {"hour": 5, "minute": 48}
